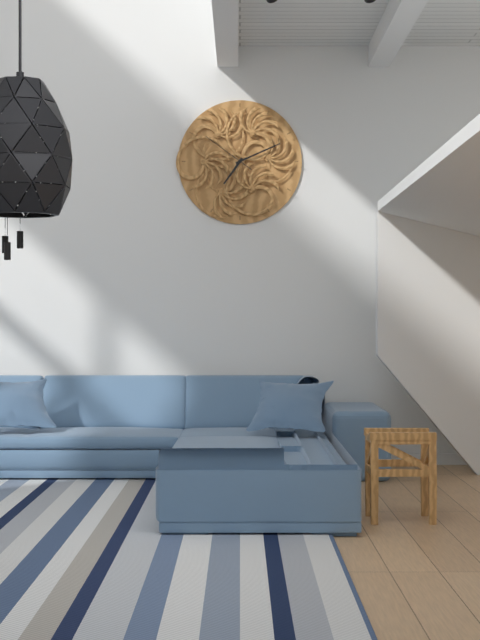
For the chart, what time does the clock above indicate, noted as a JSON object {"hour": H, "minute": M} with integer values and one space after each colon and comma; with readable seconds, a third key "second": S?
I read {"hour": 7, "minute": 11, "second": 51}
